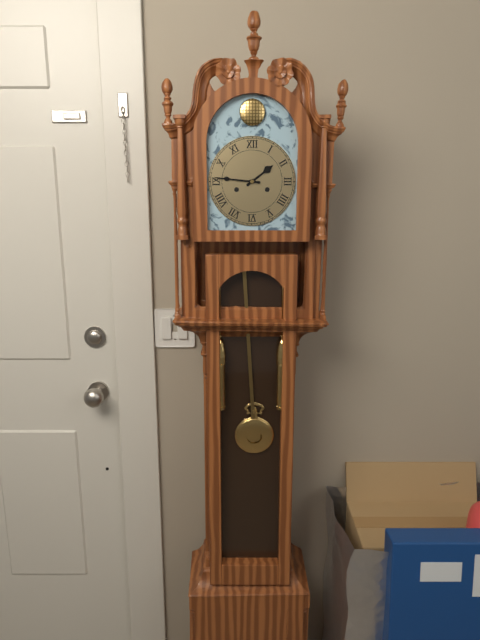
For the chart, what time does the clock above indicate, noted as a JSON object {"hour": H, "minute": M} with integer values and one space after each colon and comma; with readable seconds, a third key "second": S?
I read {"hour": 1, "minute": 46}
